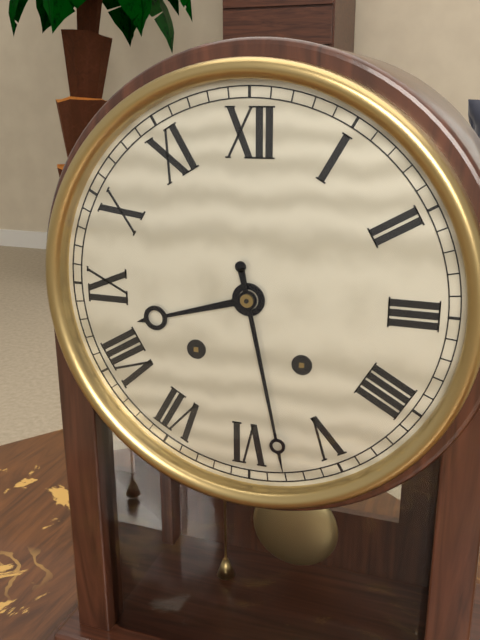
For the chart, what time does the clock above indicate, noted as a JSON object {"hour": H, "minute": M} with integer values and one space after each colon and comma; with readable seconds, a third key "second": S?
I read {"hour": 8, "minute": 28}
